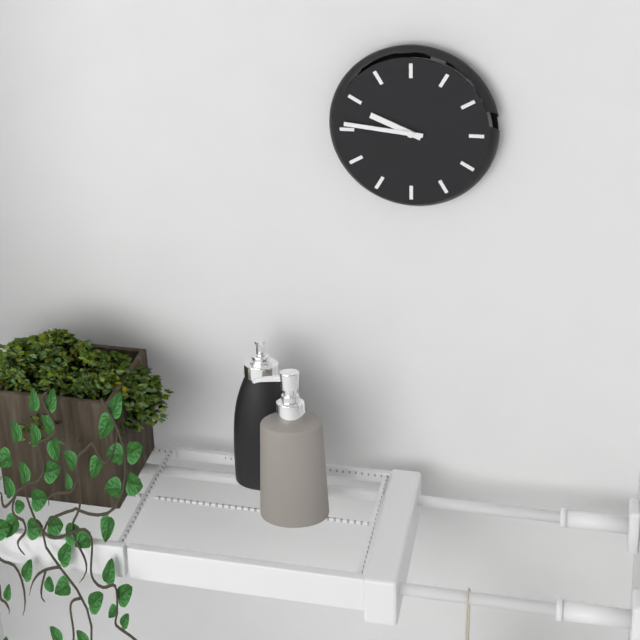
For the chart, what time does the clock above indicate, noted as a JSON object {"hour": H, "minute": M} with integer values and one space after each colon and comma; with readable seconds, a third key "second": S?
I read {"hour": 9, "minute": 46}
